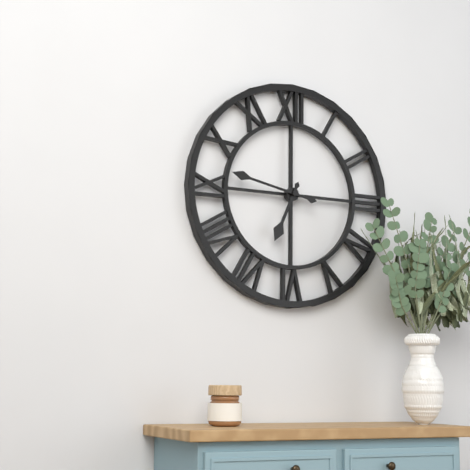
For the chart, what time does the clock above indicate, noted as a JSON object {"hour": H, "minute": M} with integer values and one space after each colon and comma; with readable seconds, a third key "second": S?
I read {"hour": 6, "minute": 47}
